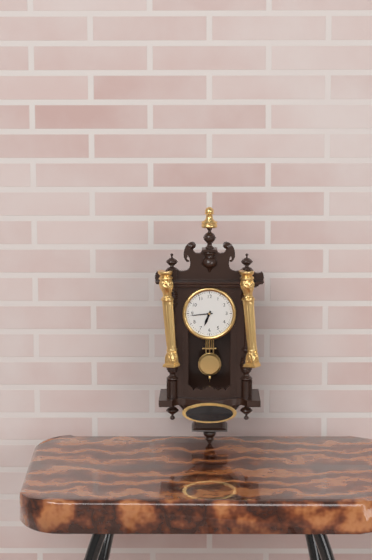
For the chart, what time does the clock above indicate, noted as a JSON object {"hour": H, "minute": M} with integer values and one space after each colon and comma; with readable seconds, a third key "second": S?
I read {"hour": 6, "minute": 44}
